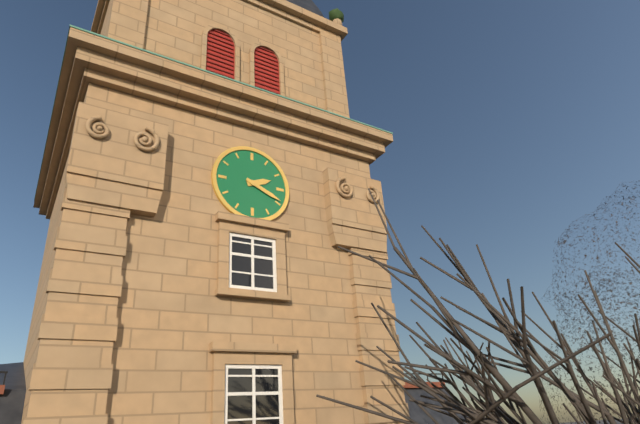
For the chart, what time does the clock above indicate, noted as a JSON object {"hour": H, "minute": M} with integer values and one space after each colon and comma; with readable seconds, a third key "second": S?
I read {"hour": 2, "minute": 19}
